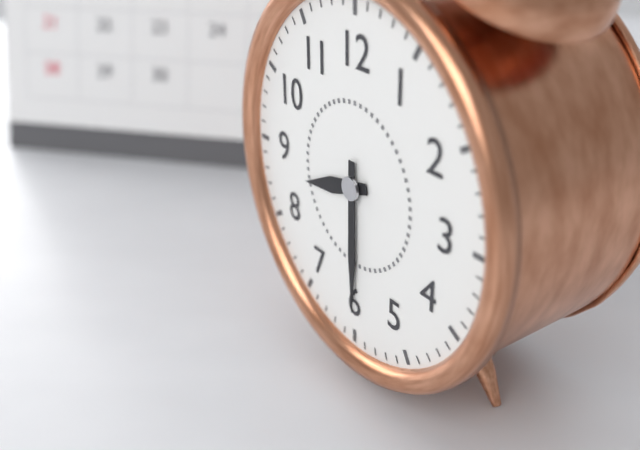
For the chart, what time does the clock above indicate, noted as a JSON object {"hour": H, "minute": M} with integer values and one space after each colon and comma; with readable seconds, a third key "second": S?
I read {"hour": 8, "minute": 30}
